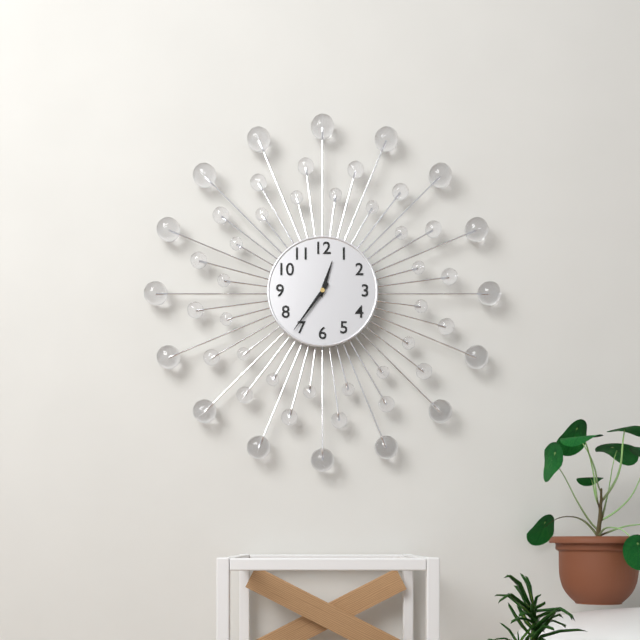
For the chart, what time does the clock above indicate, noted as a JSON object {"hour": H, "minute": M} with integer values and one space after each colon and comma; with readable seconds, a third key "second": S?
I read {"hour": 12, "minute": 36}
